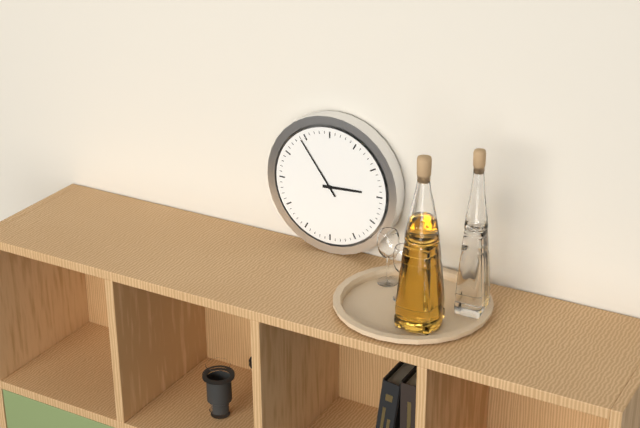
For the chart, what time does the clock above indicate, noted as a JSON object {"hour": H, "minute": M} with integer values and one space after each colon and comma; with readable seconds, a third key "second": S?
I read {"hour": 2, "minute": 54}
